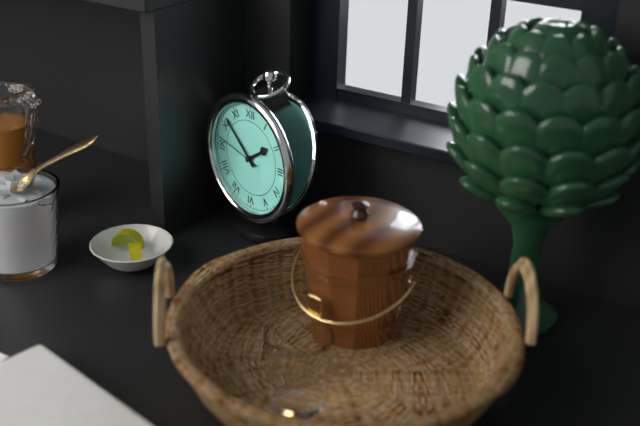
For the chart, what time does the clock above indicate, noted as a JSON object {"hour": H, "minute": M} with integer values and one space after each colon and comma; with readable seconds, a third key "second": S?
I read {"hour": 1, "minute": 52, "second": 47}
